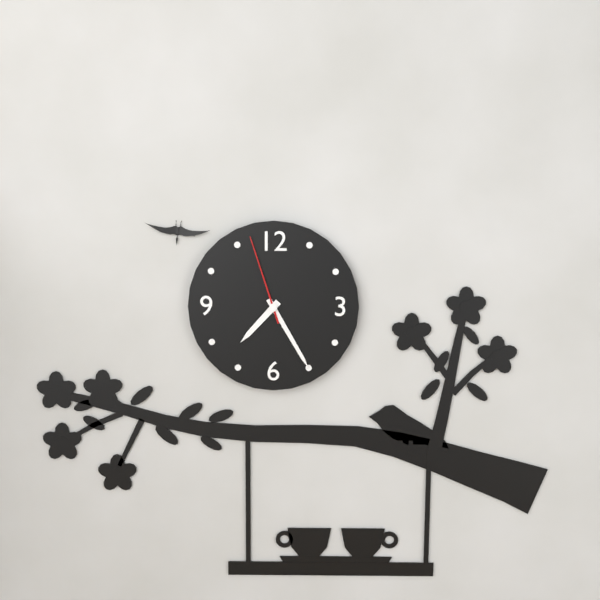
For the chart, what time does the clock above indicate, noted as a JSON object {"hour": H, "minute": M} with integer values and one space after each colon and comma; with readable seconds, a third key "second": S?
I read {"hour": 7, "minute": 25, "second": 57}
